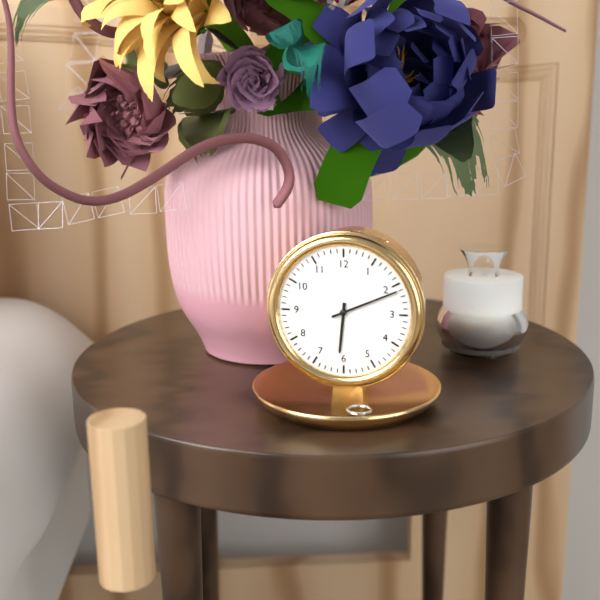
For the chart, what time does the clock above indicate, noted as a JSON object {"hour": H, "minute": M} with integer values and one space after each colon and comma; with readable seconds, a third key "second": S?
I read {"hour": 6, "minute": 11}
